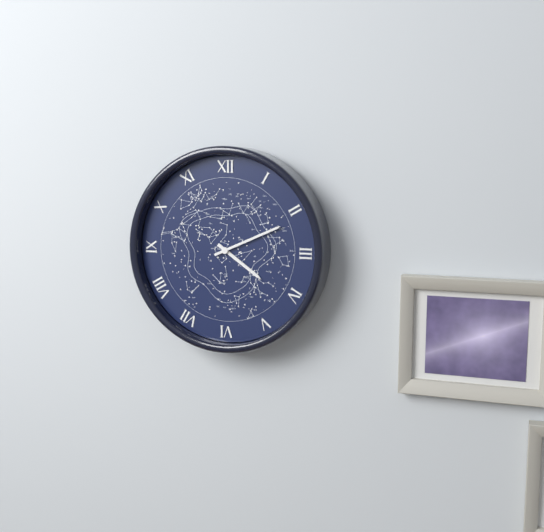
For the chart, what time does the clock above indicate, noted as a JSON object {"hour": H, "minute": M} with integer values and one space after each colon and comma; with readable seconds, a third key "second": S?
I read {"hour": 4, "minute": 11}
